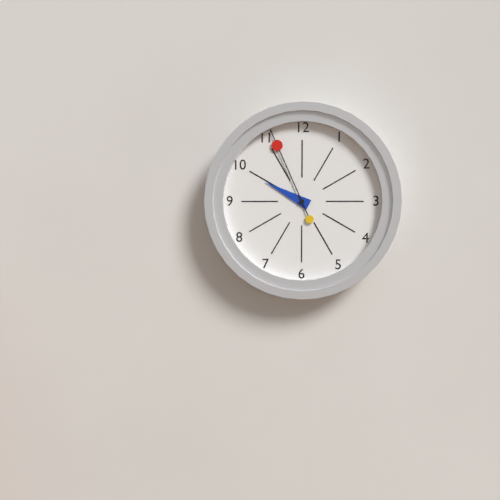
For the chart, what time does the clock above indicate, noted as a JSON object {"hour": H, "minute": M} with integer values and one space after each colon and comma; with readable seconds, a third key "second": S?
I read {"hour": 9, "minute": 56}
